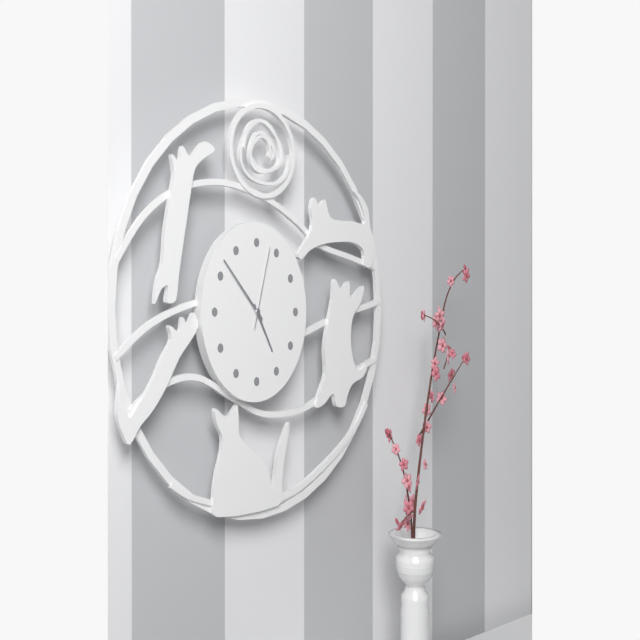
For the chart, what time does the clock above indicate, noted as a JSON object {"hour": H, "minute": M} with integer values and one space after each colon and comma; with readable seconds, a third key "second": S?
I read {"hour": 4, "minute": 52, "second": 3}
